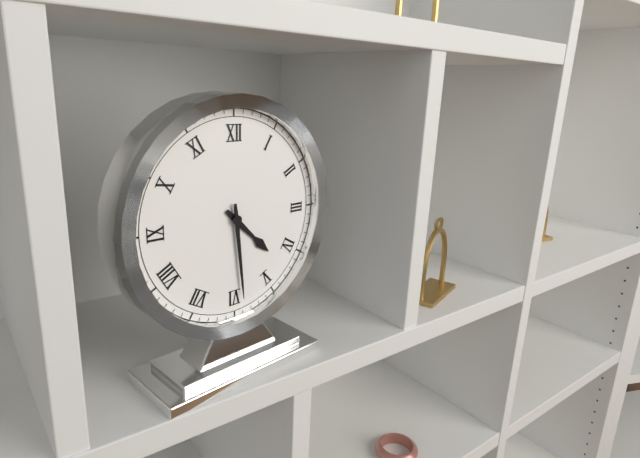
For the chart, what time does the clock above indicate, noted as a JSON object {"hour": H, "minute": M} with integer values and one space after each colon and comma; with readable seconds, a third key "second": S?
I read {"hour": 4, "minute": 29}
